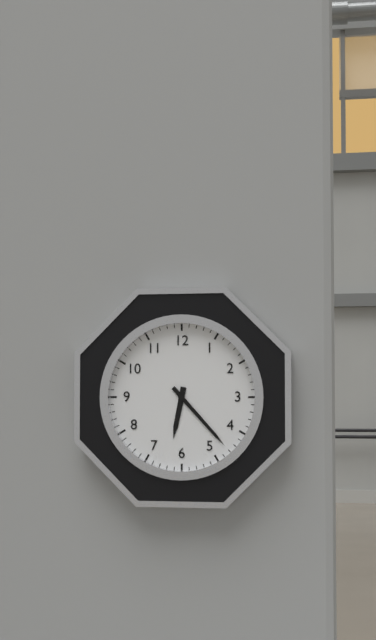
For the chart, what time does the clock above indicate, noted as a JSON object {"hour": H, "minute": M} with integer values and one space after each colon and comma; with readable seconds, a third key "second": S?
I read {"hour": 6, "minute": 23}
